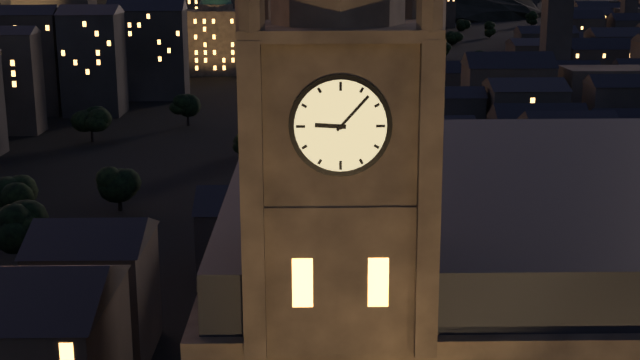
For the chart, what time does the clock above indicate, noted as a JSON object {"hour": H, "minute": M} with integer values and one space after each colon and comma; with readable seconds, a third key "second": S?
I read {"hour": 9, "minute": 7}
